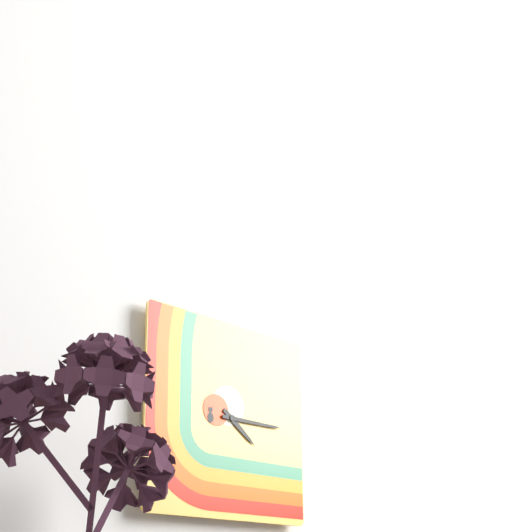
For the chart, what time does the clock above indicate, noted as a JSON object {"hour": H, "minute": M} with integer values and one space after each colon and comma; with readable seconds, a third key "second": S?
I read {"hour": 4, "minute": 15}
